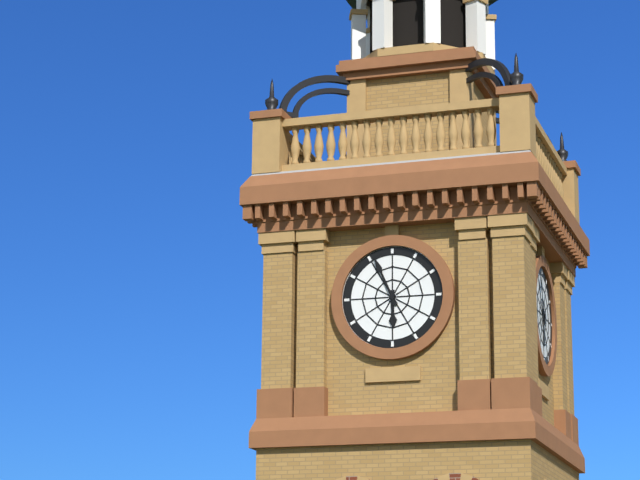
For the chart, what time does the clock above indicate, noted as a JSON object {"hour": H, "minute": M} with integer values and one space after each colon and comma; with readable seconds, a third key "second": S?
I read {"hour": 5, "minute": 56}
